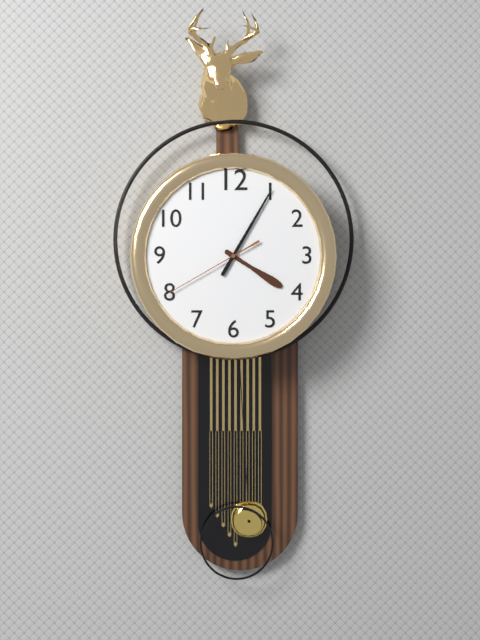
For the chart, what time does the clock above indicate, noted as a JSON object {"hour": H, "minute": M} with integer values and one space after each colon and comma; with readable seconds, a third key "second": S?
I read {"hour": 4, "minute": 5, "second": 40}
